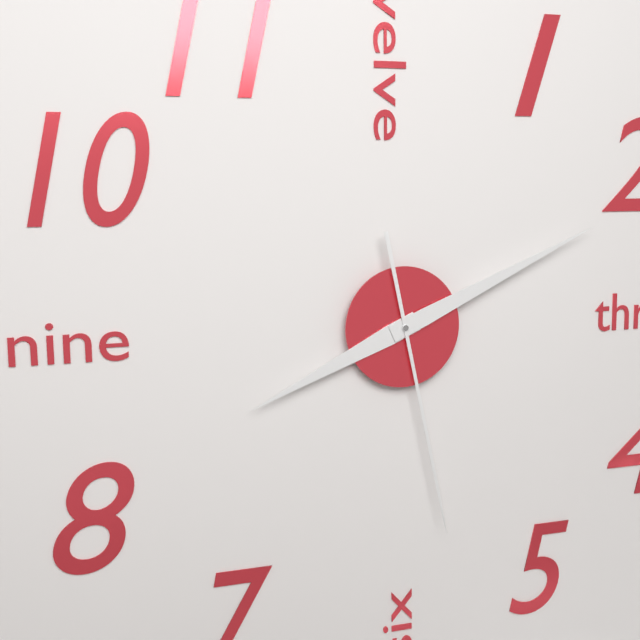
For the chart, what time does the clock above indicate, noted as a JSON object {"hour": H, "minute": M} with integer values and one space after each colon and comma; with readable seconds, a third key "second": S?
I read {"hour": 8, "minute": 11, "second": 28}
